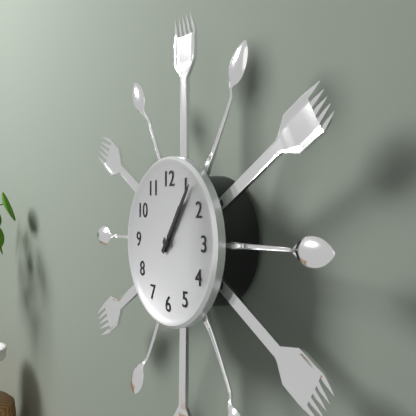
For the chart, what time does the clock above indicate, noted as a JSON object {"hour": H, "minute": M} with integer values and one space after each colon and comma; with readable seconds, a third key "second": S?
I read {"hour": 1, "minute": 6}
